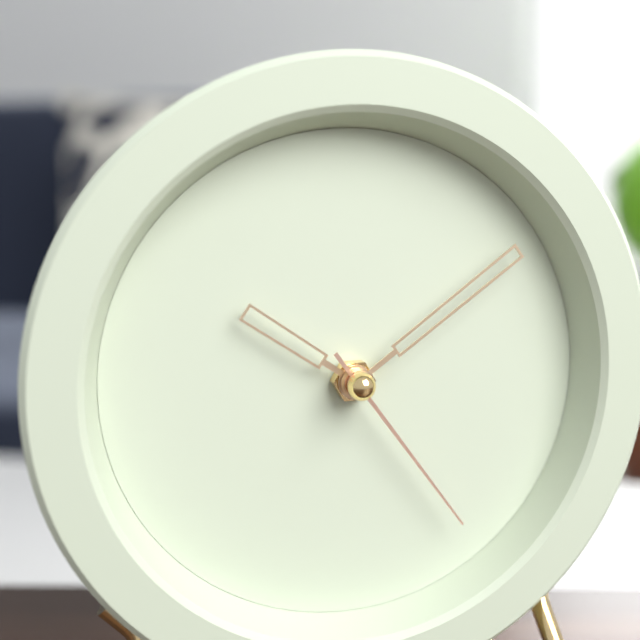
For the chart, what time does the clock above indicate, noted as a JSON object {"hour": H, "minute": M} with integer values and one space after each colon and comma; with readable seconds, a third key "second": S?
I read {"hour": 10, "minute": 9, "second": 24}
